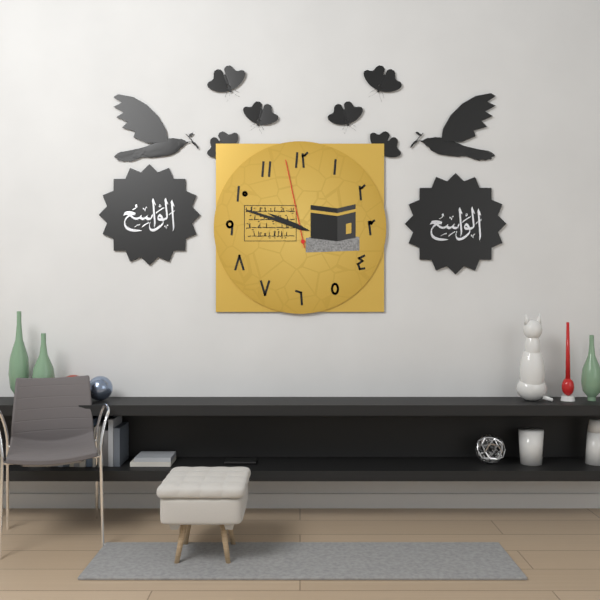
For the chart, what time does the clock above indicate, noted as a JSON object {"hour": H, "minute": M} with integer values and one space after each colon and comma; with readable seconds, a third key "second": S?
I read {"hour": 9, "minute": 48, "second": 58}
